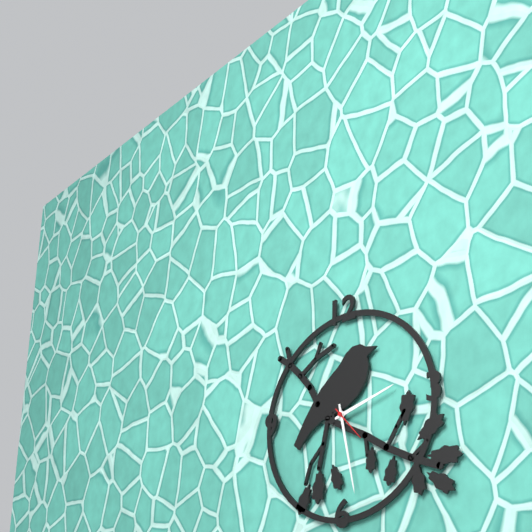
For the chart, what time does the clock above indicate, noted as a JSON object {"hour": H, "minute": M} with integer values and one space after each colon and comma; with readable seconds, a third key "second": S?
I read {"hour": 2, "minute": 28}
